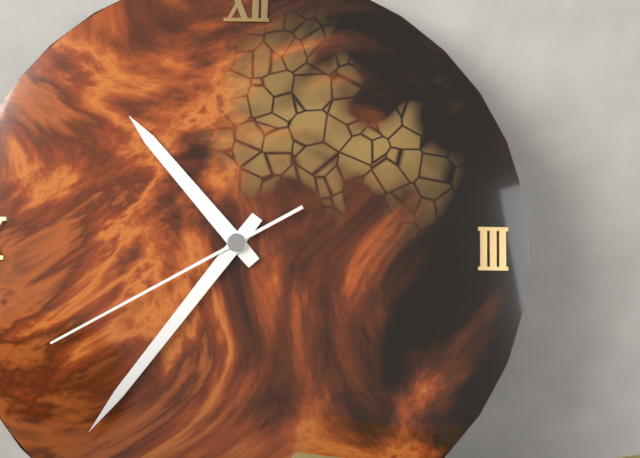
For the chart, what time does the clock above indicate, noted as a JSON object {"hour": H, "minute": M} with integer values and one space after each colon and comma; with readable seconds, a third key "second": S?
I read {"hour": 10, "minute": 36, "second": 40}
